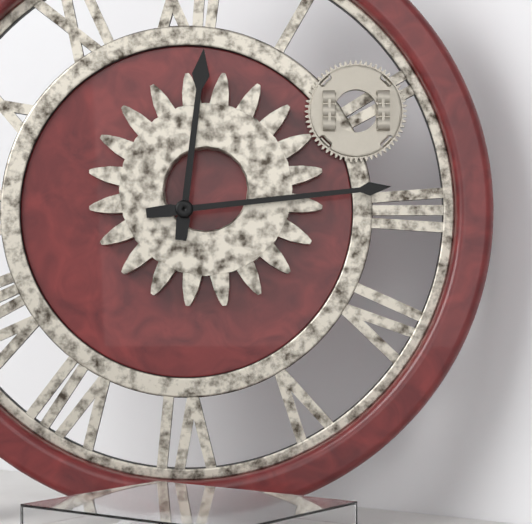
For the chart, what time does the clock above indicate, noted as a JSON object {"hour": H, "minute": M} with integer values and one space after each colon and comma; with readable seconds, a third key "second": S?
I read {"hour": 12, "minute": 14}
